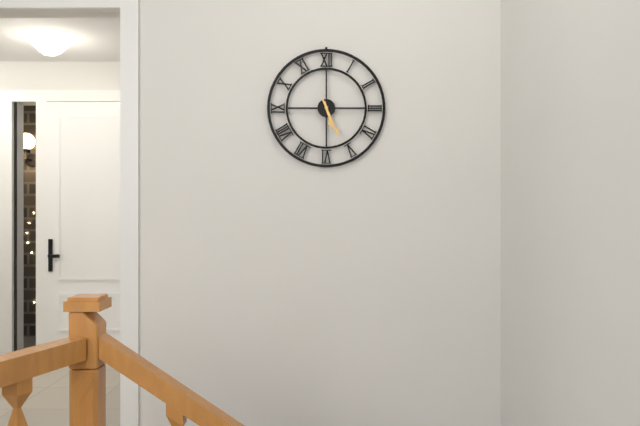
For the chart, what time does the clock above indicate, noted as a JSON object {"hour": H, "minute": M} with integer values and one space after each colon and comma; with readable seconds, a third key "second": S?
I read {"hour": 5, "minute": 26}
